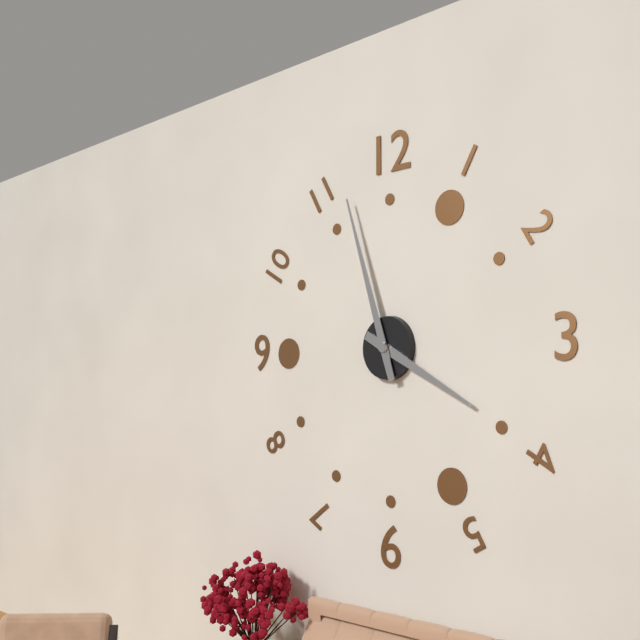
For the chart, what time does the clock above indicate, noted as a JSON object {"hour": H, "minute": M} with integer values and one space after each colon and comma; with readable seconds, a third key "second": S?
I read {"hour": 3, "minute": 57}
